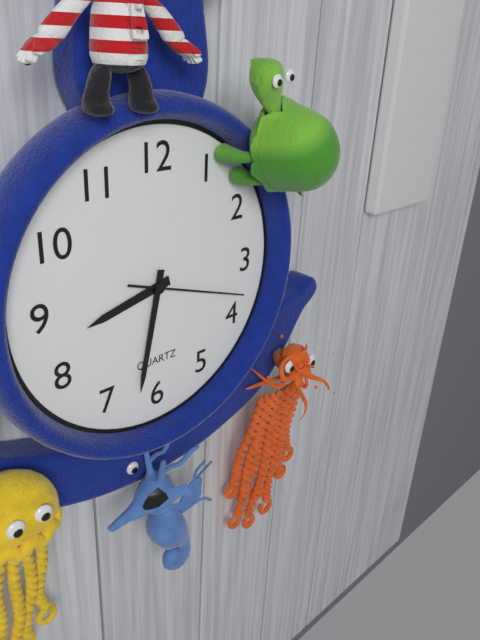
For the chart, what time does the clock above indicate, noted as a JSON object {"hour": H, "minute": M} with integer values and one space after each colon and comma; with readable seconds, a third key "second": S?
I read {"hour": 8, "minute": 32, "second": 18}
